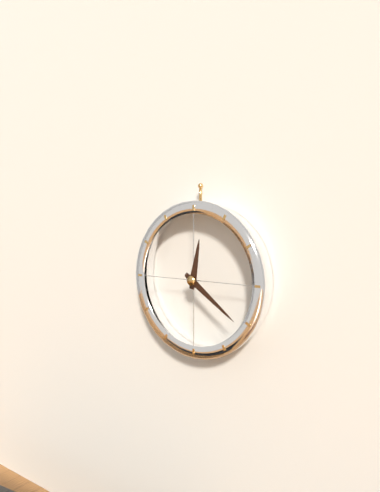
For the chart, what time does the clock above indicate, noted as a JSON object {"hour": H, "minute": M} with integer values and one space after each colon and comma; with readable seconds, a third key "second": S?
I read {"hour": 12, "minute": 21}
